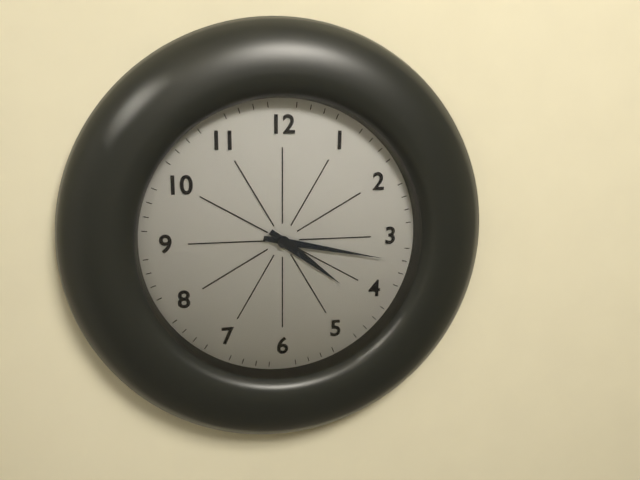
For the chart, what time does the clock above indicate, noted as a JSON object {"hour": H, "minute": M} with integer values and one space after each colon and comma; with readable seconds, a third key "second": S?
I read {"hour": 4, "minute": 17}
